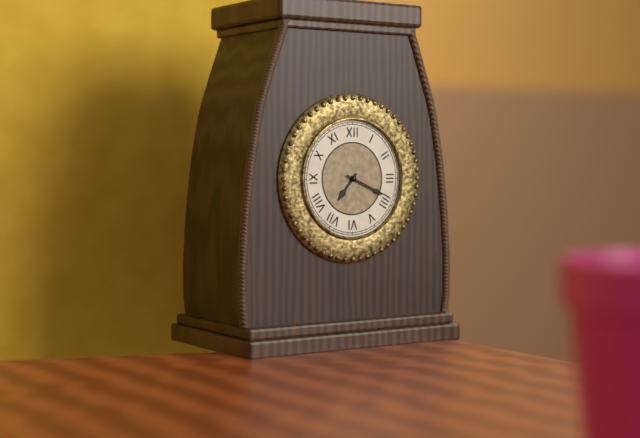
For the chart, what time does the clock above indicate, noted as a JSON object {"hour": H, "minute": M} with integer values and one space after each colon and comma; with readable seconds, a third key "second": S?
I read {"hour": 7, "minute": 19}
